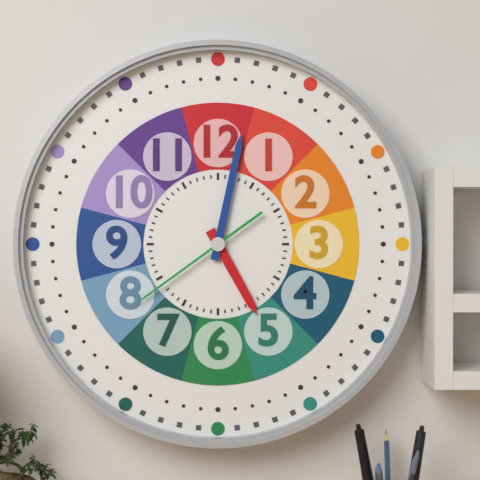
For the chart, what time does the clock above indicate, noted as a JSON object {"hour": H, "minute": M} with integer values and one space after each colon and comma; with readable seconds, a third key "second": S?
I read {"hour": 5, "minute": 2, "second": 39}
